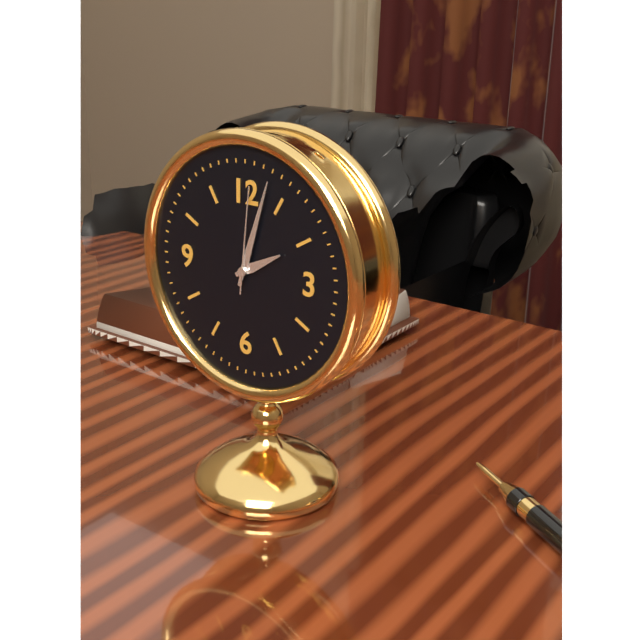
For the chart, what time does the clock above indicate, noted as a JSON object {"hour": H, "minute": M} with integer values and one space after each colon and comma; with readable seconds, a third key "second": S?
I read {"hour": 2, "minute": 3, "second": 1}
